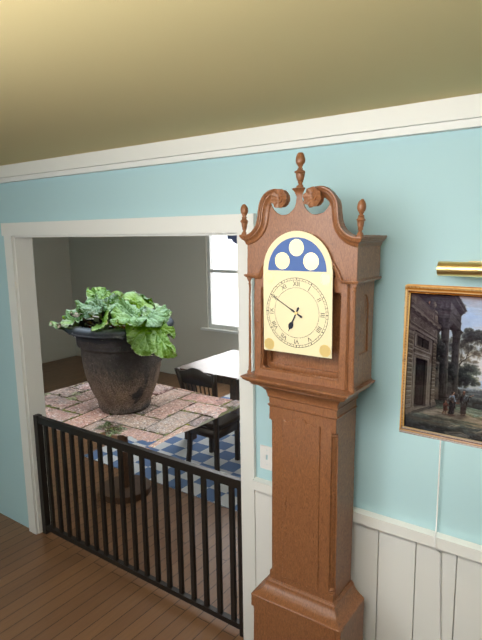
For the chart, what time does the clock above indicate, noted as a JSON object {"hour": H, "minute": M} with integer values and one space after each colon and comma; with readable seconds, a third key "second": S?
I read {"hour": 6, "minute": 50}
